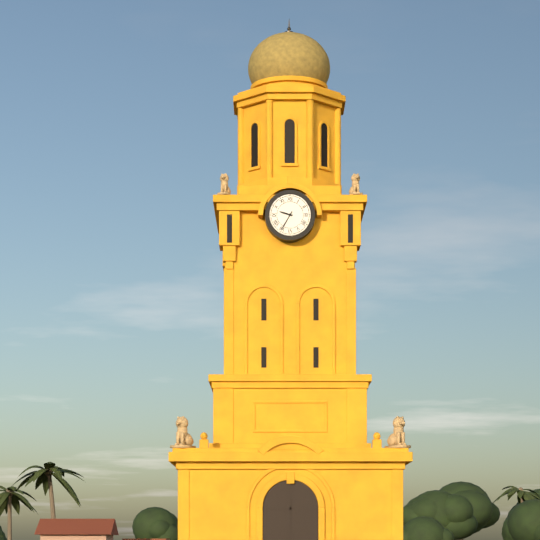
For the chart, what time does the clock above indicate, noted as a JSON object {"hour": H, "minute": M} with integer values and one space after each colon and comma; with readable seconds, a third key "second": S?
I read {"hour": 9, "minute": 35}
